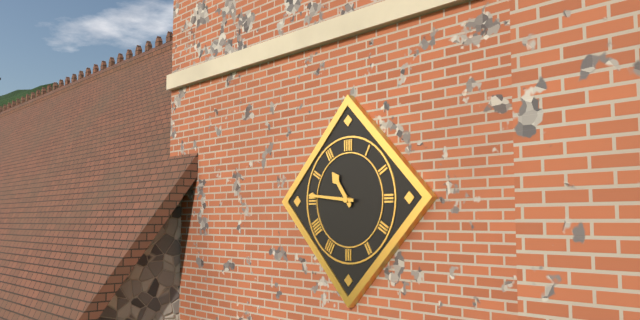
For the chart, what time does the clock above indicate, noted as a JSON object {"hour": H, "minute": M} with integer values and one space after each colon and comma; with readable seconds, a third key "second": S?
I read {"hour": 10, "minute": 46}
